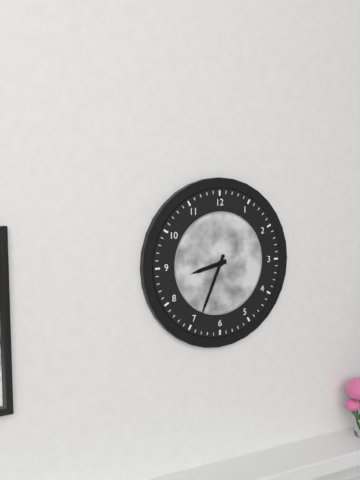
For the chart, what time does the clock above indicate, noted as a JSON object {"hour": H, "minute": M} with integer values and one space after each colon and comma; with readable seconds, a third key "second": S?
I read {"hour": 8, "minute": 34}
